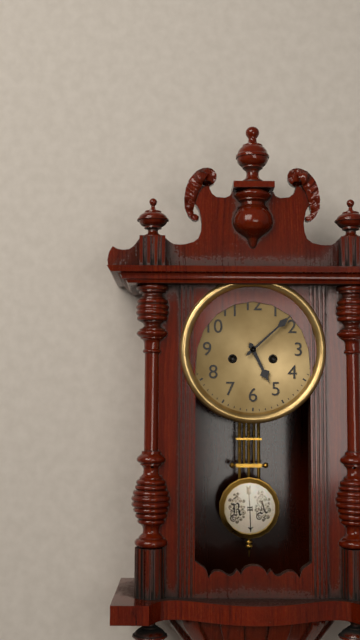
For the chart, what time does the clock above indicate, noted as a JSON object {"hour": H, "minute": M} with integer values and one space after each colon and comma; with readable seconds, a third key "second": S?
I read {"hour": 5, "minute": 8}
